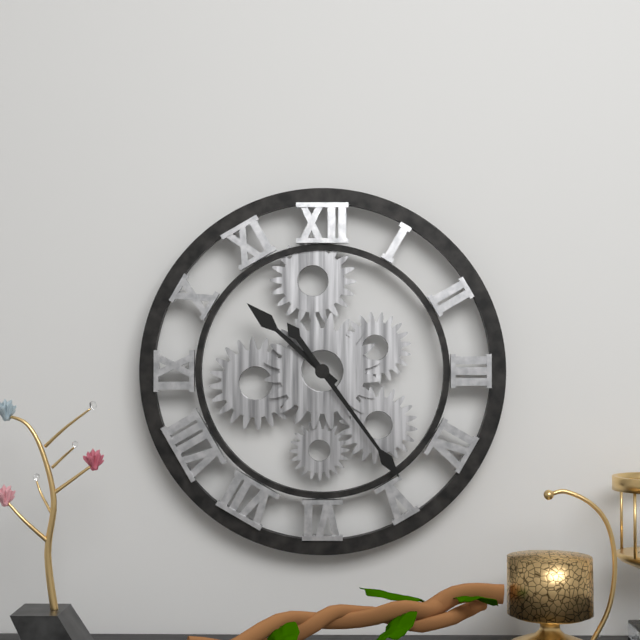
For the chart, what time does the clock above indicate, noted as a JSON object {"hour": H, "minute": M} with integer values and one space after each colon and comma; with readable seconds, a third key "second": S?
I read {"hour": 10, "minute": 24}
